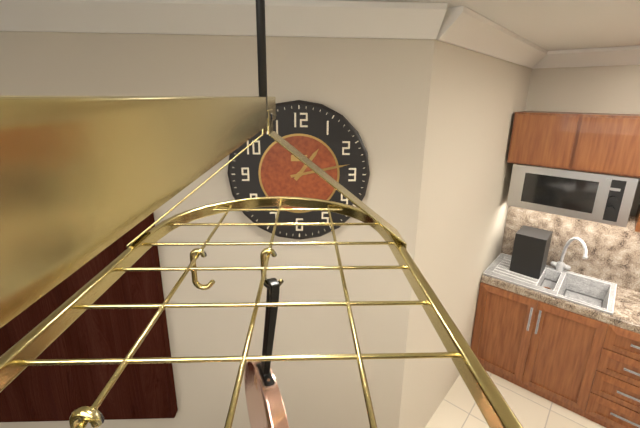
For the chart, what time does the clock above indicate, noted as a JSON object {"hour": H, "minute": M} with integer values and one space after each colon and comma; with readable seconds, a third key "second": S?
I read {"hour": 1, "minute": 13}
